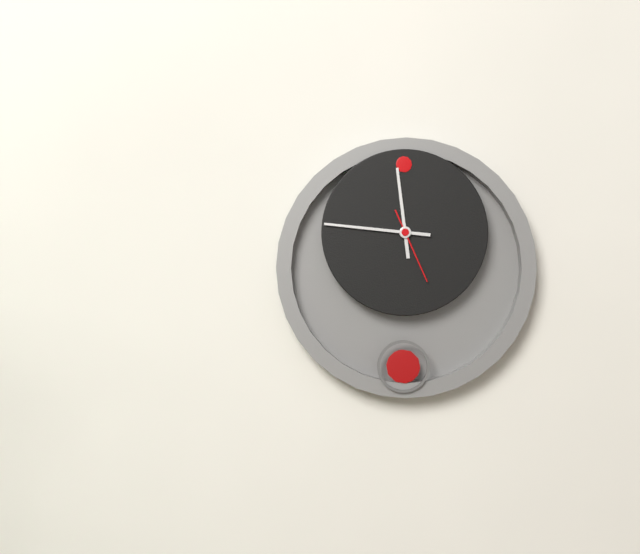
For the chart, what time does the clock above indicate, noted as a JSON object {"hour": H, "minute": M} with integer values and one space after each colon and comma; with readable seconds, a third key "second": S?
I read {"hour": 11, "minute": 46, "second": 26}
